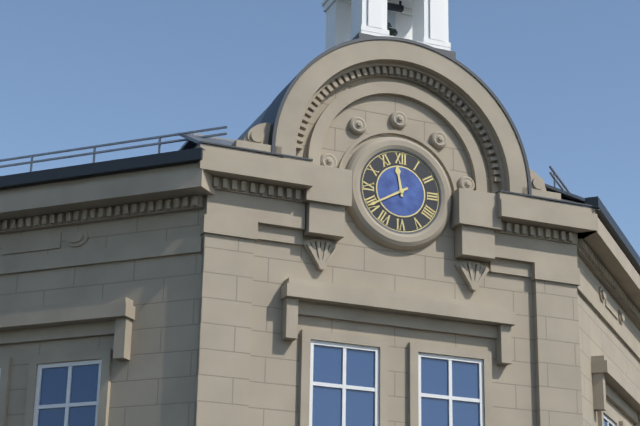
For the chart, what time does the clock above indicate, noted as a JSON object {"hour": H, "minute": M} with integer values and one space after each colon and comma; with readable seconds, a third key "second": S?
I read {"hour": 11, "minute": 40}
